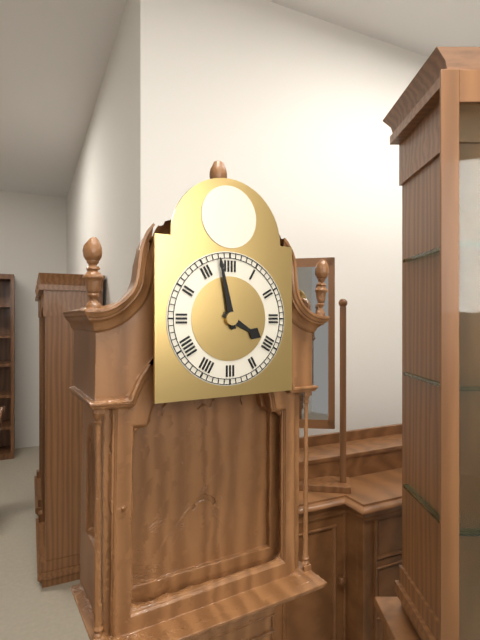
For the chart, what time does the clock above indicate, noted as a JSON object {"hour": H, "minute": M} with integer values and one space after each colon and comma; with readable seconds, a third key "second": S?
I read {"hour": 3, "minute": 58}
